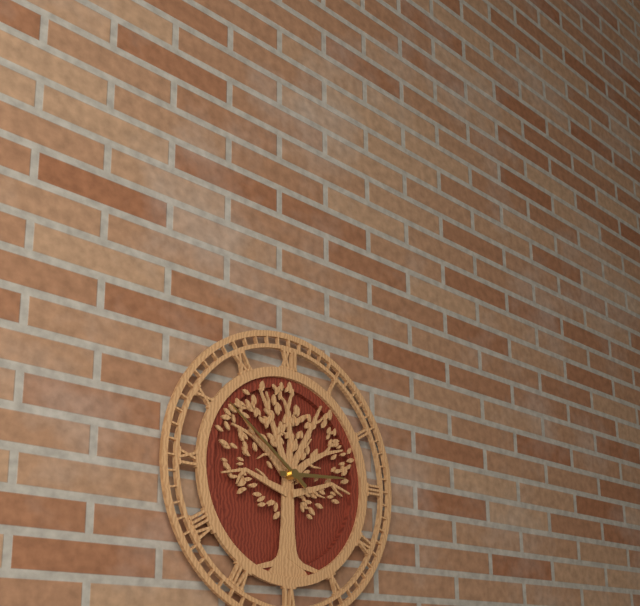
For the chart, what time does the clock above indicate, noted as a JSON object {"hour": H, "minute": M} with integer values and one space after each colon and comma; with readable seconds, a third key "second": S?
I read {"hour": 2, "minute": 51}
